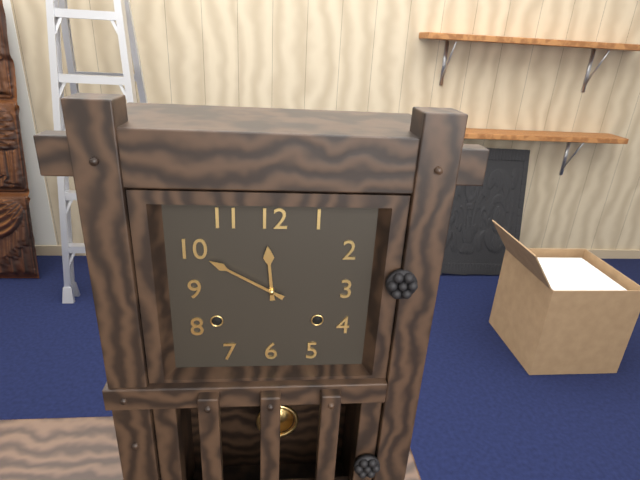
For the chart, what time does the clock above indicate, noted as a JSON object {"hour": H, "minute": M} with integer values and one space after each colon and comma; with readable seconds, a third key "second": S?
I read {"hour": 11, "minute": 50}
